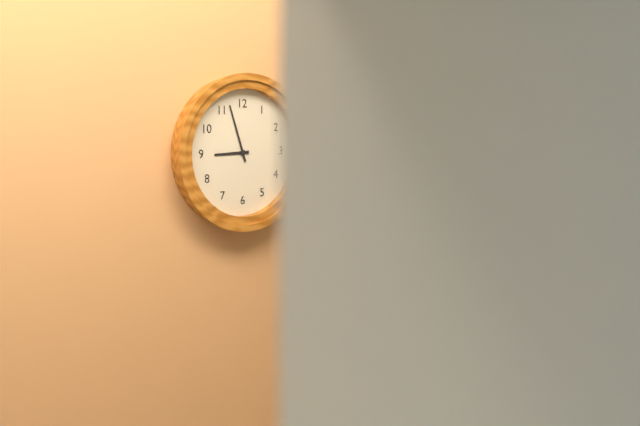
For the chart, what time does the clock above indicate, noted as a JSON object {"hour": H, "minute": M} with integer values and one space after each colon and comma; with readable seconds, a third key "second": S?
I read {"hour": 8, "minute": 57}
